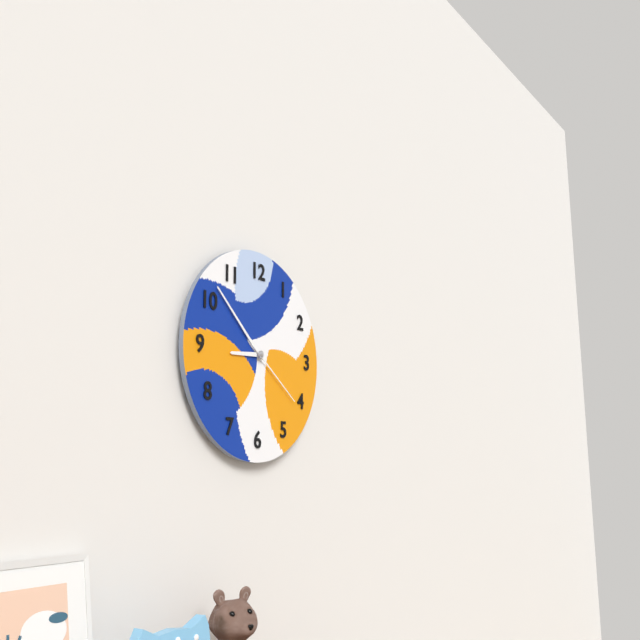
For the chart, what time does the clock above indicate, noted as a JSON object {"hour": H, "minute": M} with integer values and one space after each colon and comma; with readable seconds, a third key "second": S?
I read {"hour": 8, "minute": 52, "second": 21}
